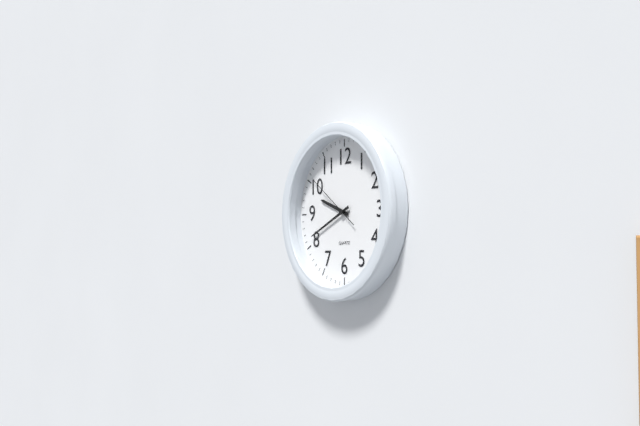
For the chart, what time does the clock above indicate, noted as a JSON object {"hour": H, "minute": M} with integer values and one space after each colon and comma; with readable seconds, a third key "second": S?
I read {"hour": 9, "minute": 41, "second": 51}
